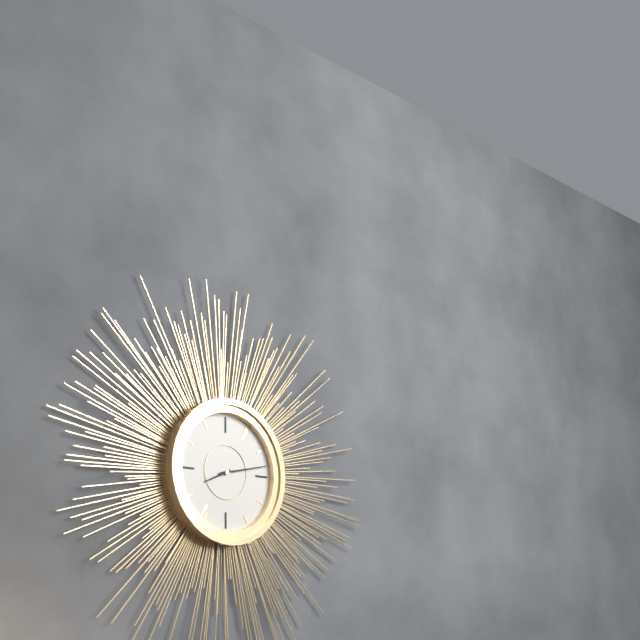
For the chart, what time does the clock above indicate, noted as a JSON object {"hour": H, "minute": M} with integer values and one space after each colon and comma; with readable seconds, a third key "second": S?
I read {"hour": 8, "minute": 13}
